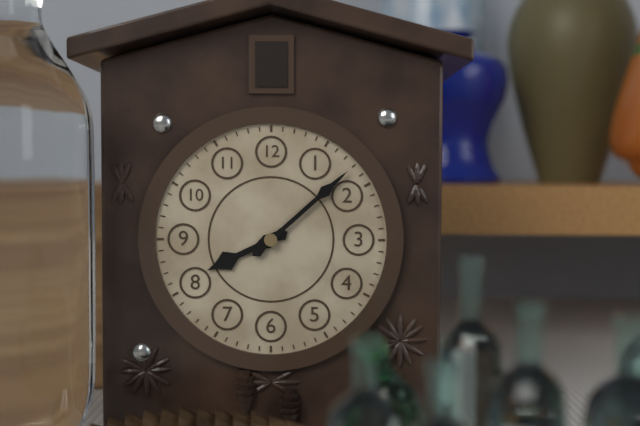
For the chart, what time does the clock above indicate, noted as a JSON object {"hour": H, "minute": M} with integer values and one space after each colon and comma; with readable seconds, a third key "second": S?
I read {"hour": 8, "minute": 8}
